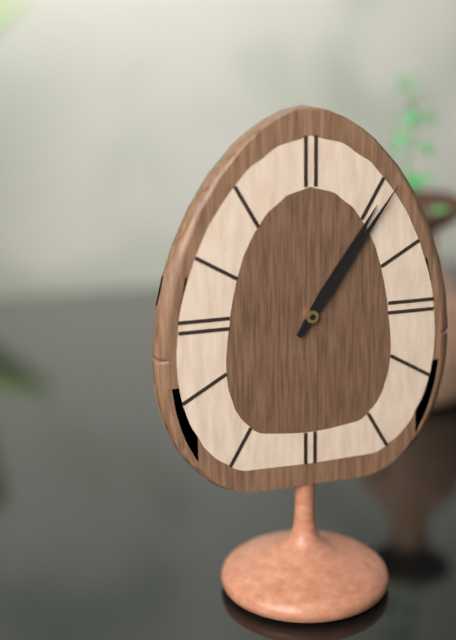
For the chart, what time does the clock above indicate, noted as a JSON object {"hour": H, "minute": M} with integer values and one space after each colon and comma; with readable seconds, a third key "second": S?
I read {"hour": 1, "minute": 6}
